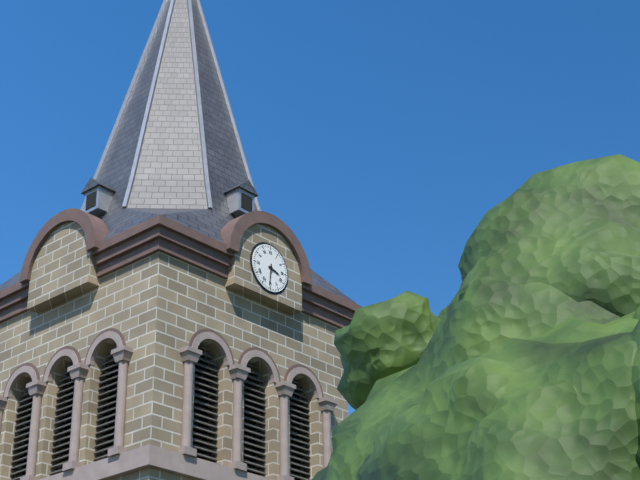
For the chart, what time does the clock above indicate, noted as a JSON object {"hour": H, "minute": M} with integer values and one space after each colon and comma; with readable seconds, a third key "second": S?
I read {"hour": 3, "minute": 31}
